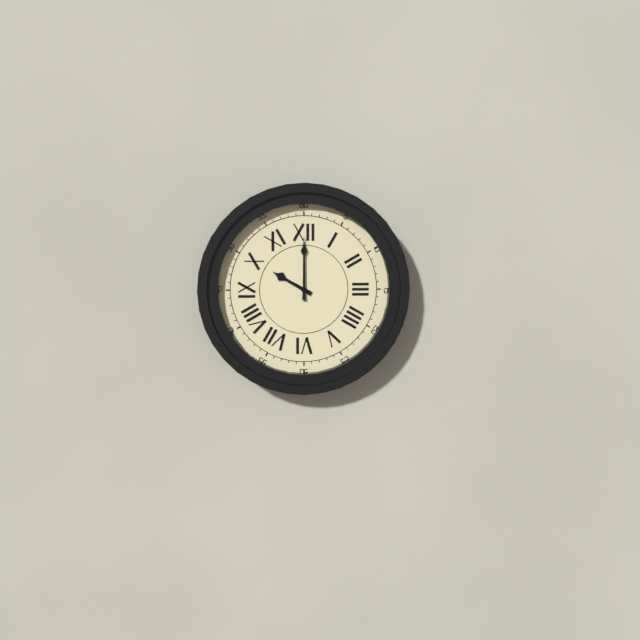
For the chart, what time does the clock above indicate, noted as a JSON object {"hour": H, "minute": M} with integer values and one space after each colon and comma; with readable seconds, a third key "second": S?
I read {"hour": 10, "minute": 0}
